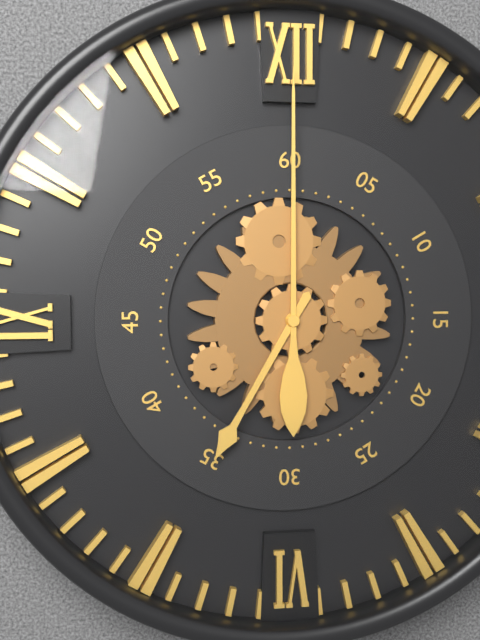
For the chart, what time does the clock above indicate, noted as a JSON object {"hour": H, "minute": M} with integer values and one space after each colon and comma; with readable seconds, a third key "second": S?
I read {"hour": 7, "minute": 0}
